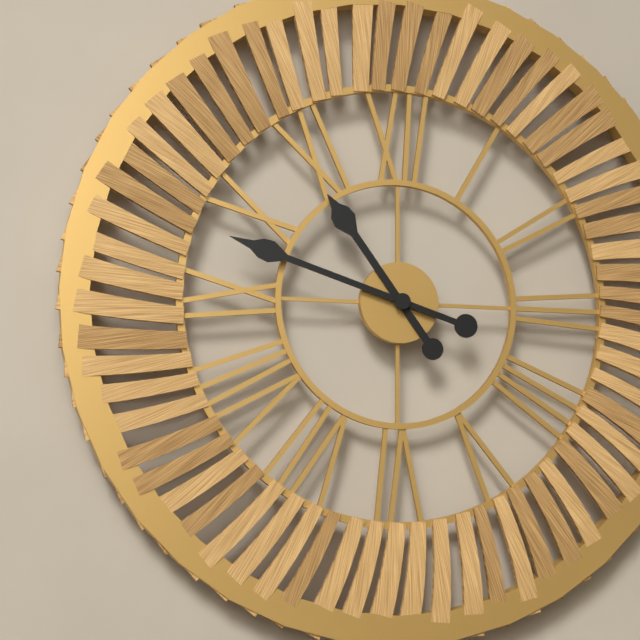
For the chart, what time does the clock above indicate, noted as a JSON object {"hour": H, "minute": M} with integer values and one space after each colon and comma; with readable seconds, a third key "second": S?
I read {"hour": 10, "minute": 48}
